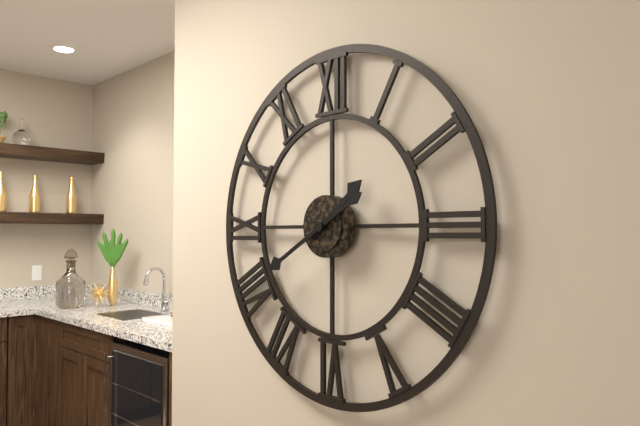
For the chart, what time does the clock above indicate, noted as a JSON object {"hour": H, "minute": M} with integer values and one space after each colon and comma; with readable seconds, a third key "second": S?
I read {"hour": 1, "minute": 40}
